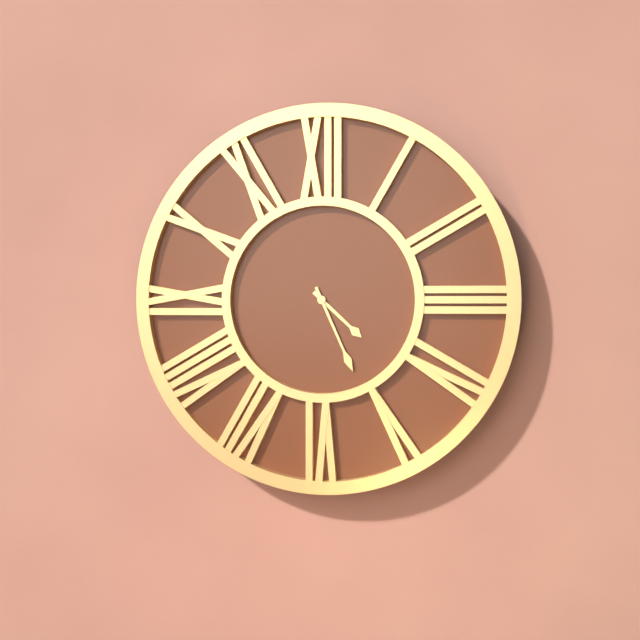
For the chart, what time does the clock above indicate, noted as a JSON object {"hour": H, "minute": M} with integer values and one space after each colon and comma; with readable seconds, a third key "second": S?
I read {"hour": 4, "minute": 26}
